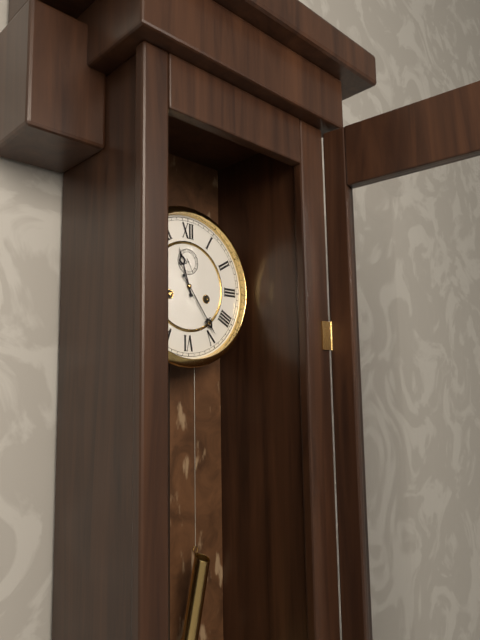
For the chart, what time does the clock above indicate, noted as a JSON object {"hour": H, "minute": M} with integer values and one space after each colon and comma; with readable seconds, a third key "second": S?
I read {"hour": 11, "minute": 24}
